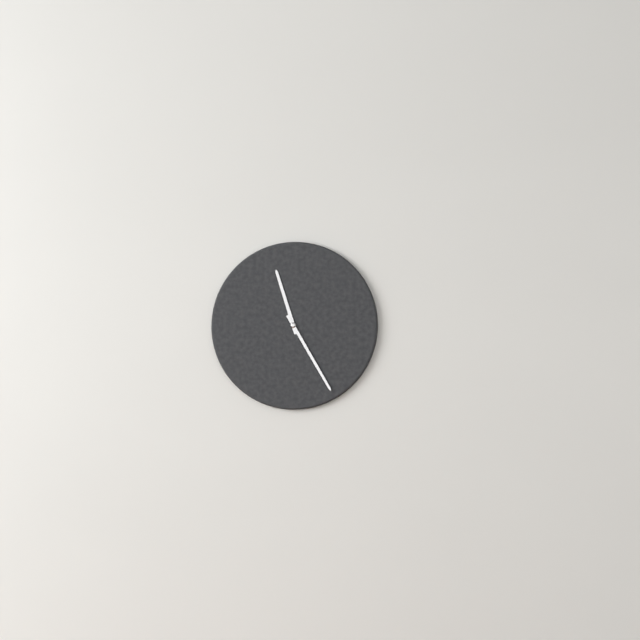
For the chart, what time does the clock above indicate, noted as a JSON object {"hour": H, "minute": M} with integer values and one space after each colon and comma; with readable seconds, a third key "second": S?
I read {"hour": 11, "minute": 25}
